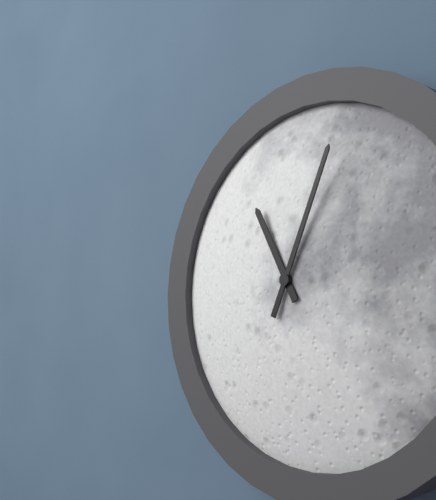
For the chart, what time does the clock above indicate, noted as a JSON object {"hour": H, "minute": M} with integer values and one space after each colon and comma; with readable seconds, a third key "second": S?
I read {"hour": 11, "minute": 4}
